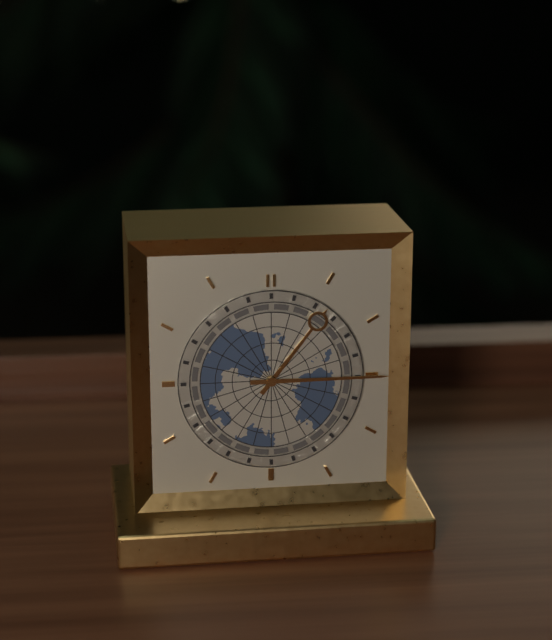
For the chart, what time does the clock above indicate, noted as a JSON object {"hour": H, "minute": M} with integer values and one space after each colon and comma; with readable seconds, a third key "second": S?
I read {"hour": 1, "minute": 15}
